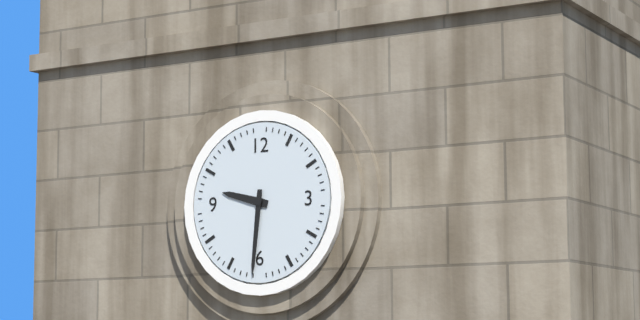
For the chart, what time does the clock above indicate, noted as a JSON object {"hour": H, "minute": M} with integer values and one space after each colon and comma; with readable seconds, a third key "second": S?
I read {"hour": 9, "minute": 31}
